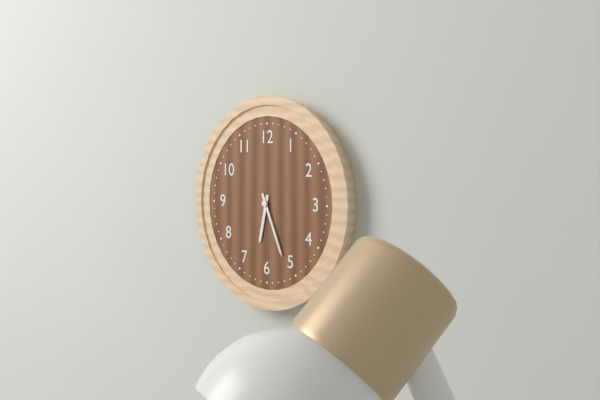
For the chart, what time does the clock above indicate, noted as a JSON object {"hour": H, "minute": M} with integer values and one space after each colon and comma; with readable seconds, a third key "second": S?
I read {"hour": 6, "minute": 26}
